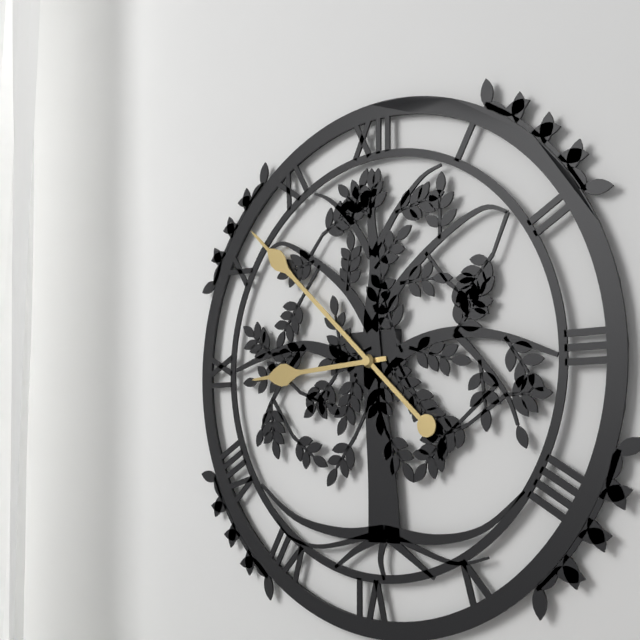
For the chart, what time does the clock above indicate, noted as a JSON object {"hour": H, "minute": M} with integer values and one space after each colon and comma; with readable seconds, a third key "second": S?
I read {"hour": 8, "minute": 52}
